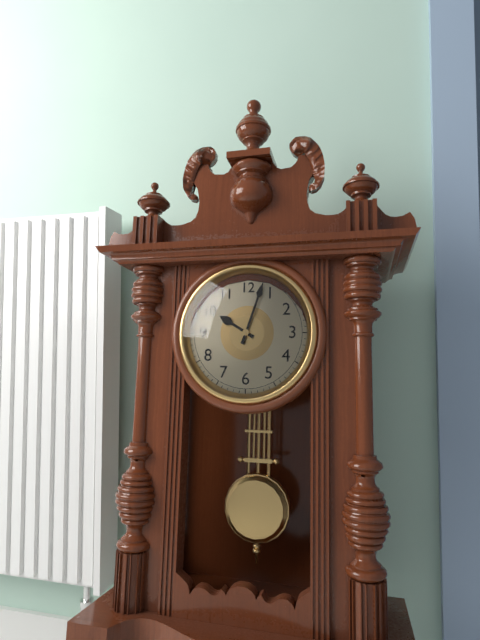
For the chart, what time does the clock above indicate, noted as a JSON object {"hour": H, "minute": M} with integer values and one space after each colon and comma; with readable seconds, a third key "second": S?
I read {"hour": 10, "minute": 3}
